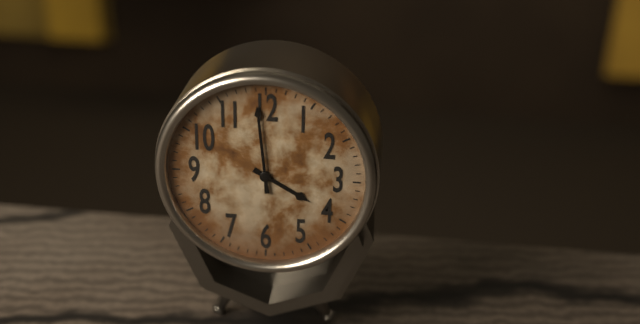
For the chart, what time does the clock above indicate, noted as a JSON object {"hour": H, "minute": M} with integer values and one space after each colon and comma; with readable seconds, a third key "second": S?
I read {"hour": 3, "minute": 59}
